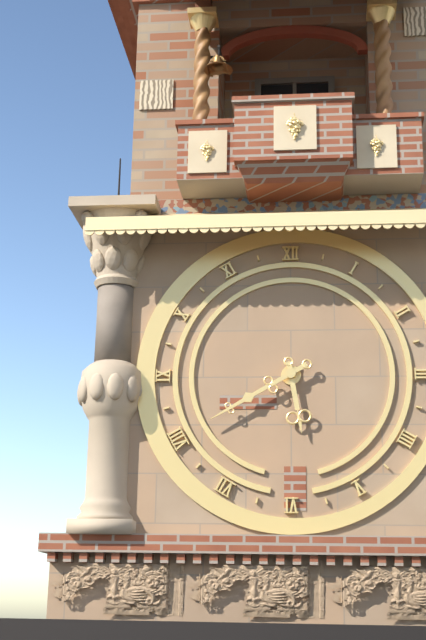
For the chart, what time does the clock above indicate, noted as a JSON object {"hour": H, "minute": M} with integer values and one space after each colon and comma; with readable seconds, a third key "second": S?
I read {"hour": 5, "minute": 40}
